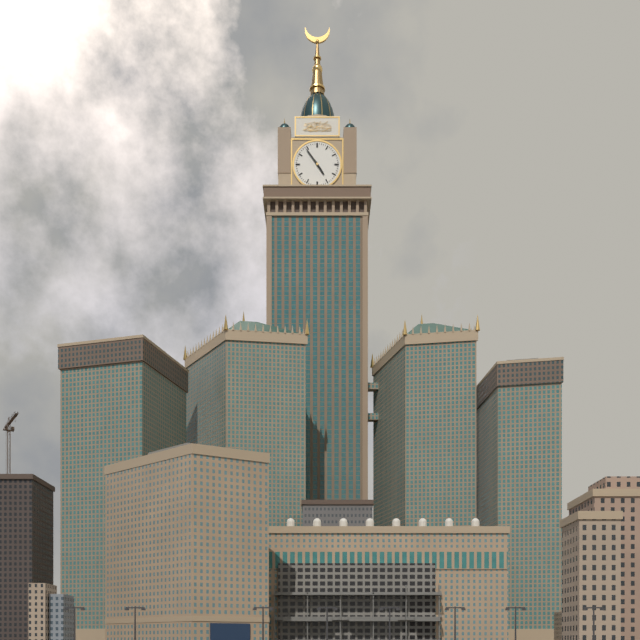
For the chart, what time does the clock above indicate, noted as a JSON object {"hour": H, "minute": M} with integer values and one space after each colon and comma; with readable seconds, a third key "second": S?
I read {"hour": 4, "minute": 54}
